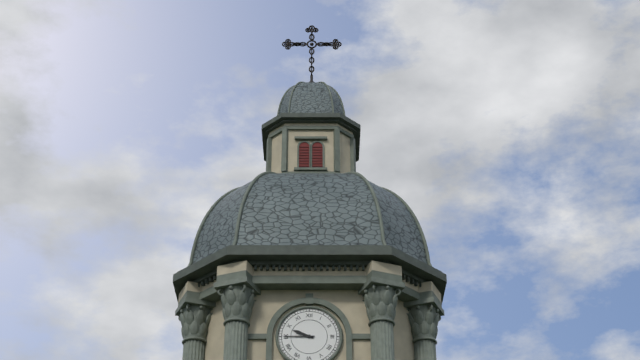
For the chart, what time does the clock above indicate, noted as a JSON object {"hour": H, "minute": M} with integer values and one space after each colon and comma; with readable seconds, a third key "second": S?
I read {"hour": 9, "minute": 45}
